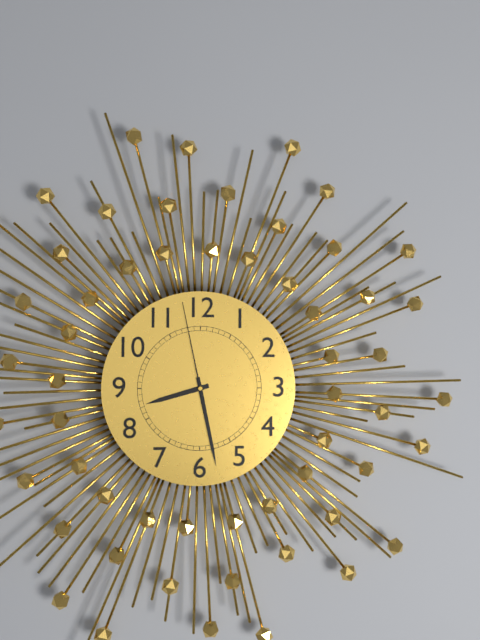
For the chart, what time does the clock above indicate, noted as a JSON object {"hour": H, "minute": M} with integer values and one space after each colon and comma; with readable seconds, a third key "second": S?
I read {"hour": 8, "minute": 28, "second": 58}
